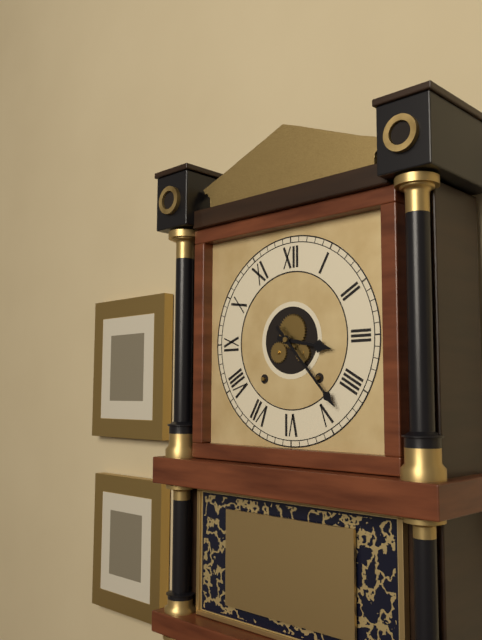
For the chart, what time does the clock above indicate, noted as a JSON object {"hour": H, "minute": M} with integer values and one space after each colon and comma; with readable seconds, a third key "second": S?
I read {"hour": 3, "minute": 23}
